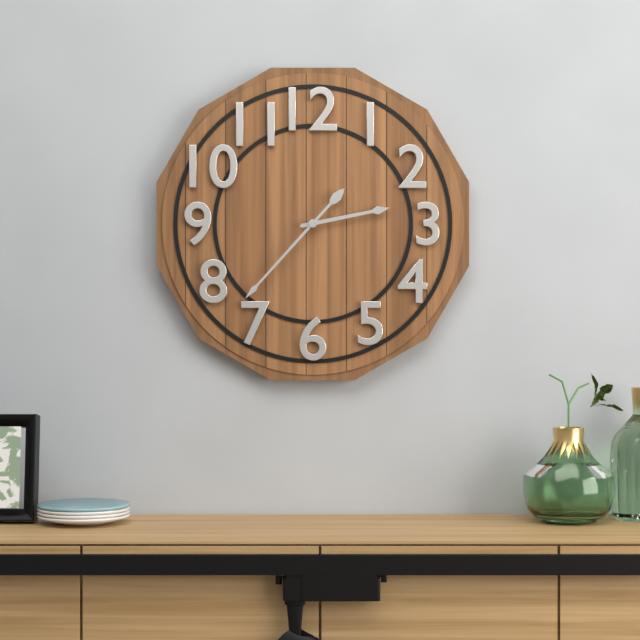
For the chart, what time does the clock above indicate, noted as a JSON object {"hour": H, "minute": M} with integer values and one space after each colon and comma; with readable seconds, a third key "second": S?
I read {"hour": 2, "minute": 37}
